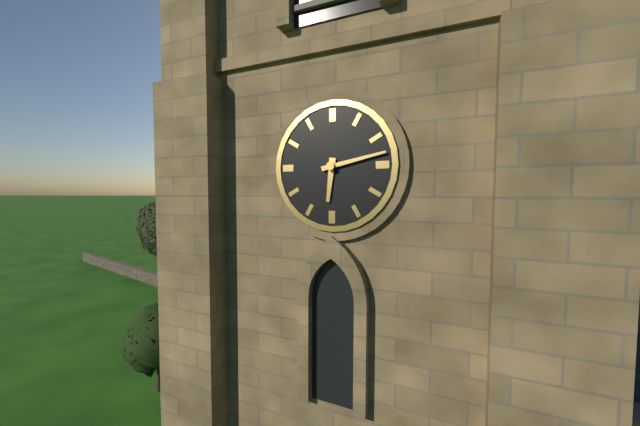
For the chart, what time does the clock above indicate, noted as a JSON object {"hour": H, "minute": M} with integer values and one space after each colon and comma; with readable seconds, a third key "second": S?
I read {"hour": 6, "minute": 13}
